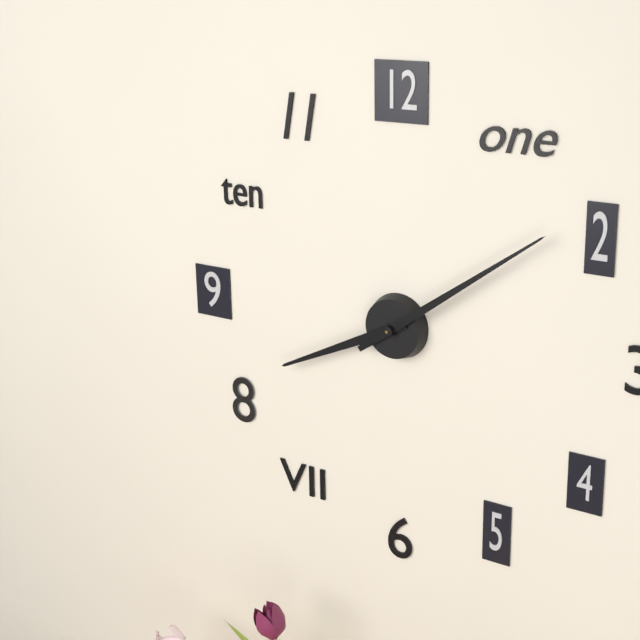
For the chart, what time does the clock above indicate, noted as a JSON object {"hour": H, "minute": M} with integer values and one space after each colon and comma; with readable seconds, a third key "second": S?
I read {"hour": 8, "minute": 9}
